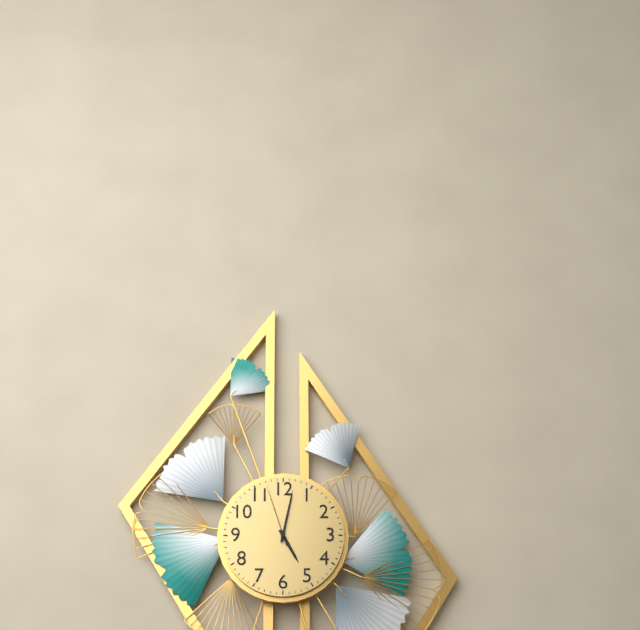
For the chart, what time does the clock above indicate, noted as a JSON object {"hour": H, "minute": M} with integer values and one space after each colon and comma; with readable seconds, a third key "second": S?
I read {"hour": 5, "minute": 2, "second": 57}
